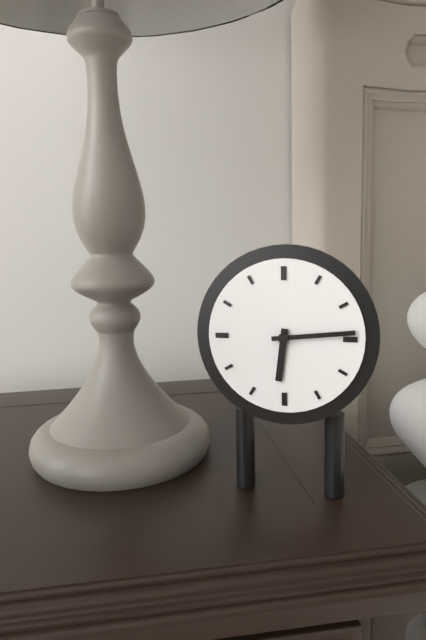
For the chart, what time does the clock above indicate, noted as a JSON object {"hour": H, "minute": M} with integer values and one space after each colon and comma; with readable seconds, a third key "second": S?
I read {"hour": 6, "minute": 14}
